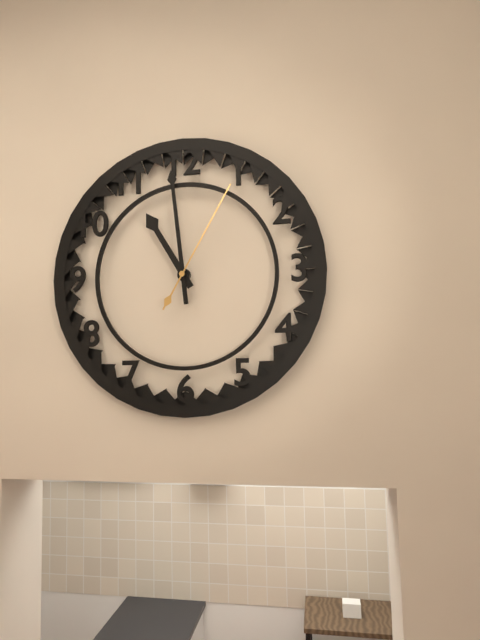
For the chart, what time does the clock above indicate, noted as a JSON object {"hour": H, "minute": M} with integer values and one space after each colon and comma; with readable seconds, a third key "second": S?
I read {"hour": 10, "minute": 59, "second": 5}
